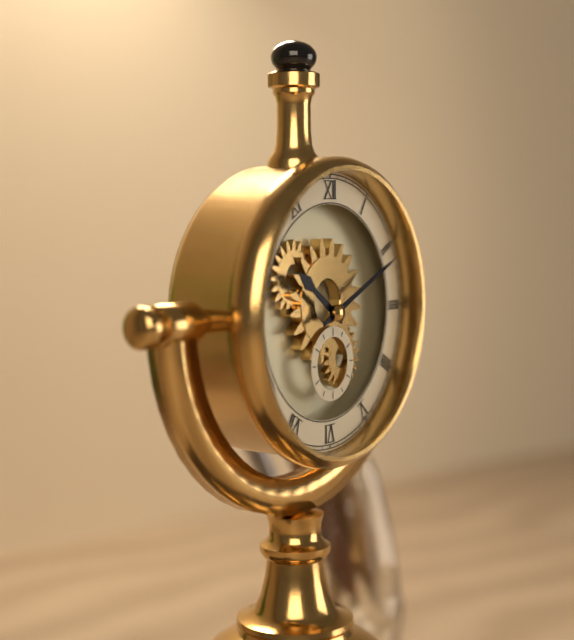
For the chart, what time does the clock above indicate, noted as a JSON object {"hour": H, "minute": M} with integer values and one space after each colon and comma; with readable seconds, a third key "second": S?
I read {"hour": 10, "minute": 11}
